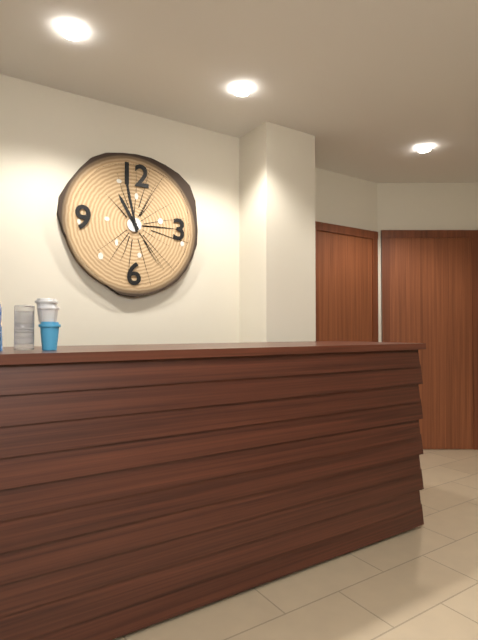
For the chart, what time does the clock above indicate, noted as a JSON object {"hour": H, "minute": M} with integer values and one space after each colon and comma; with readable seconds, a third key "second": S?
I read {"hour": 10, "minute": 58}
